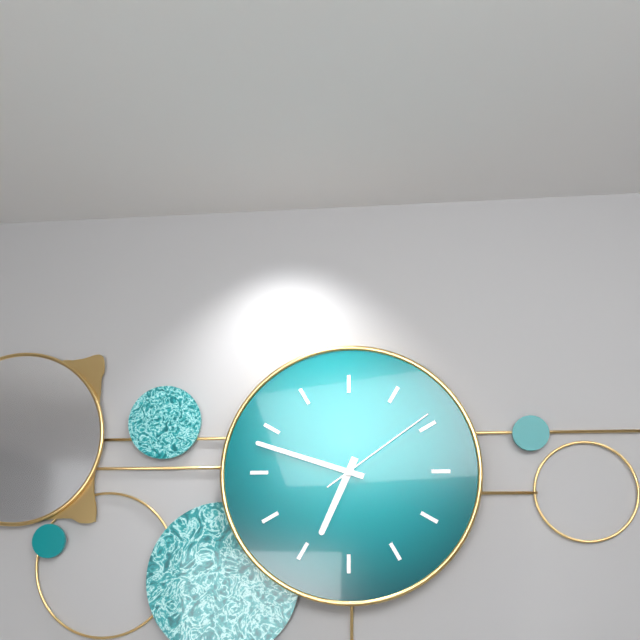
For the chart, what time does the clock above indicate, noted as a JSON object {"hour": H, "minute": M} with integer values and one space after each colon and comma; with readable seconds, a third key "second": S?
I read {"hour": 6, "minute": 48, "second": 9}
